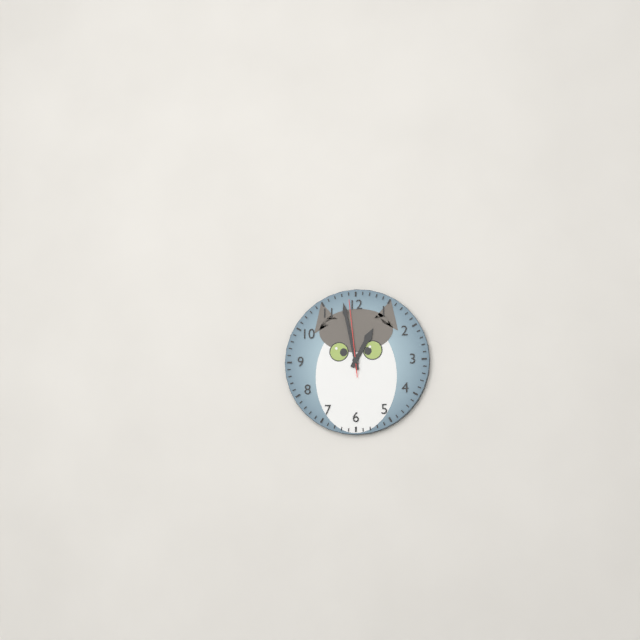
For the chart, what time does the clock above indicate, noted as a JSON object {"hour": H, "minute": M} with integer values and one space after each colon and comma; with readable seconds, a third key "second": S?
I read {"hour": 12, "minute": 58, "second": 59}
